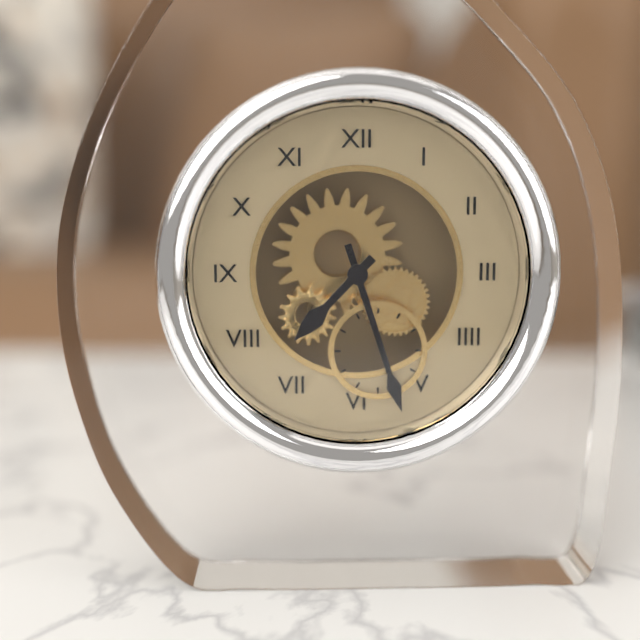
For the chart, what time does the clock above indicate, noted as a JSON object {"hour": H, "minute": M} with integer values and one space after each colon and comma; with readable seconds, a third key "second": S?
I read {"hour": 7, "minute": 27}
